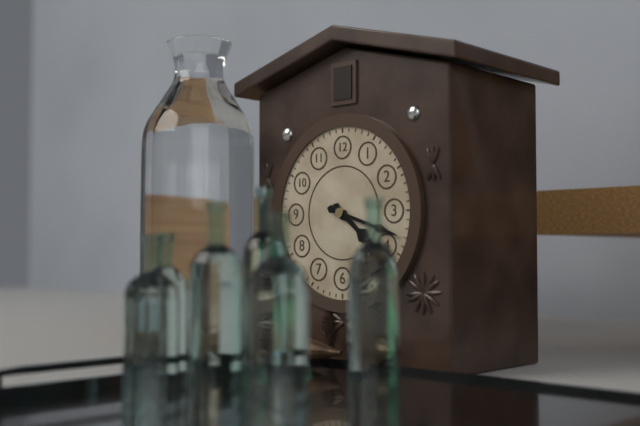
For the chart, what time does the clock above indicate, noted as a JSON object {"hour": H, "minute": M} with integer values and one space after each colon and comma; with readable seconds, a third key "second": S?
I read {"hour": 4, "minute": 18}
